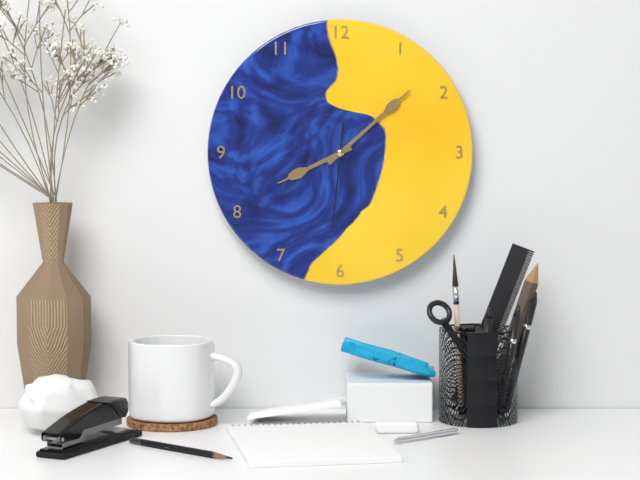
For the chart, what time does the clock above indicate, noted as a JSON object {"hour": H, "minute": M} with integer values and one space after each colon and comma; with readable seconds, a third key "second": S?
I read {"hour": 8, "minute": 8, "second": 31}
